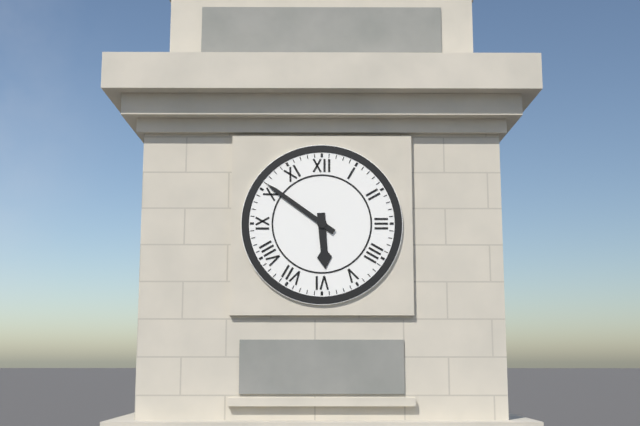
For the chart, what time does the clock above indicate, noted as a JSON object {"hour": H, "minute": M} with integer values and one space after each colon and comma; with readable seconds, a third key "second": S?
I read {"hour": 5, "minute": 51}
